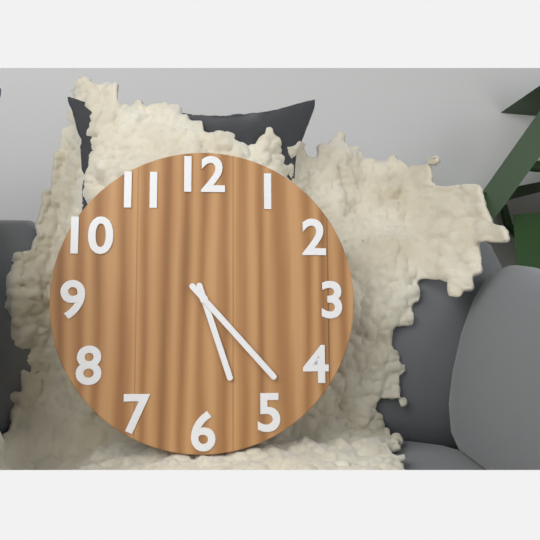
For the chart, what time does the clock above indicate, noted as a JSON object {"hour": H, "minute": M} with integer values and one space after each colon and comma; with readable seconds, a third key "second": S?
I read {"hour": 5, "minute": 23}
